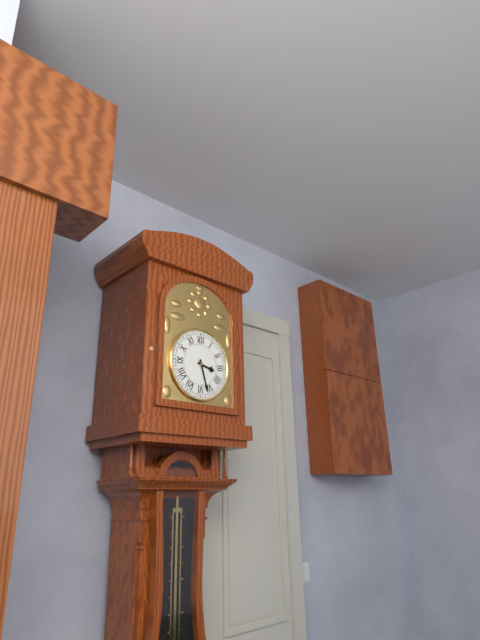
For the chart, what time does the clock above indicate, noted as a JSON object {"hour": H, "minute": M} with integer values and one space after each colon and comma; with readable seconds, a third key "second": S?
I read {"hour": 3, "minute": 27}
